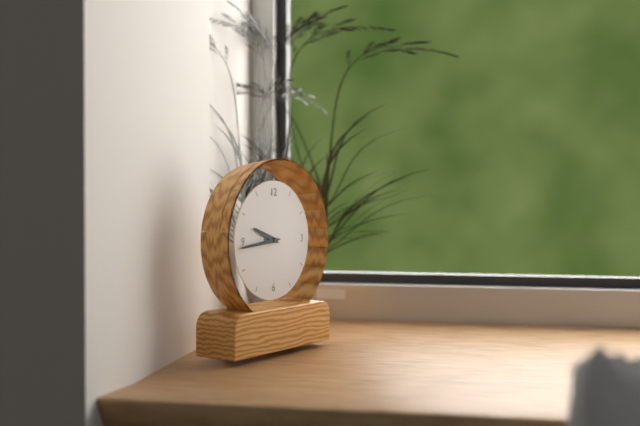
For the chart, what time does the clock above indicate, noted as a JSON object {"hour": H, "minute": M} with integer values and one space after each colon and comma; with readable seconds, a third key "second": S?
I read {"hour": 9, "minute": 44}
